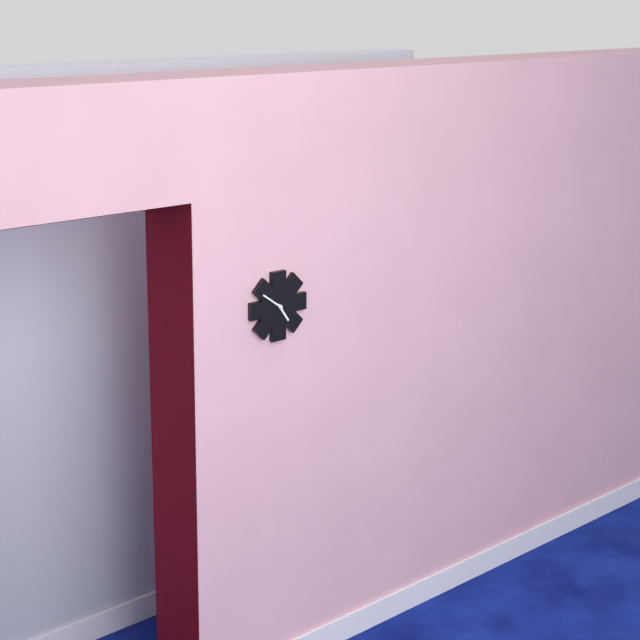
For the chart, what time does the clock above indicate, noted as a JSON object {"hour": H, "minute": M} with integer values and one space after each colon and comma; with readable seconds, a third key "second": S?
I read {"hour": 4, "minute": 51}
